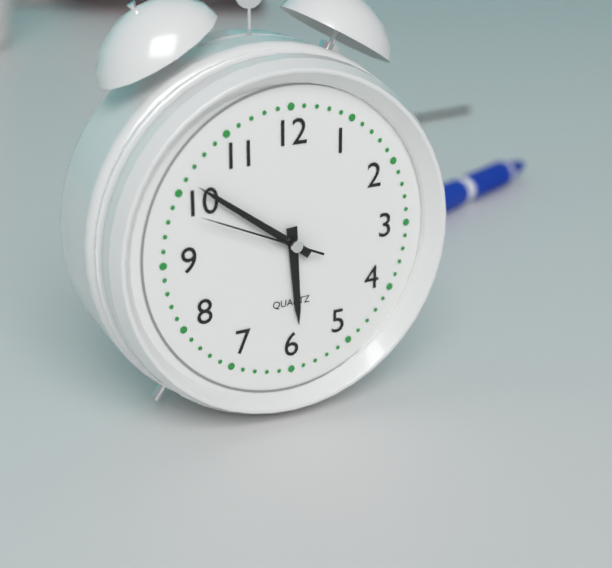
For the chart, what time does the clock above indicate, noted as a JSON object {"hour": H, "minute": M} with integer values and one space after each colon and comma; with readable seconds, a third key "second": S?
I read {"hour": 5, "minute": 51, "second": 49}
